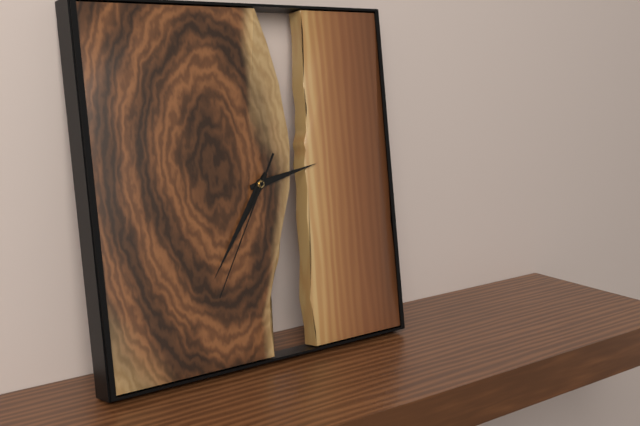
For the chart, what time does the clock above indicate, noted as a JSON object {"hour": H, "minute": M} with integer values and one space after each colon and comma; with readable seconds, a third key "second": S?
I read {"hour": 2, "minute": 36, "second": 35}
